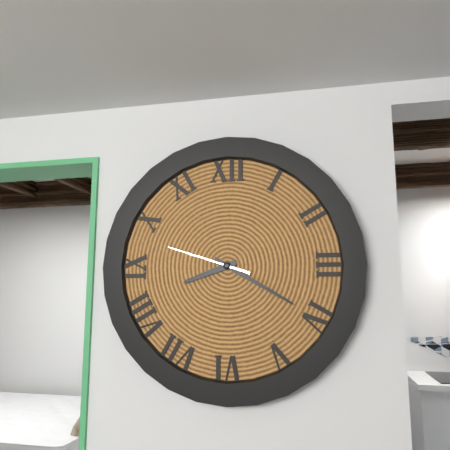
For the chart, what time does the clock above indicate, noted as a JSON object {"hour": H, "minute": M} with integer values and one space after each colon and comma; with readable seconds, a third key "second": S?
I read {"hour": 8, "minute": 20, "second": 48}
